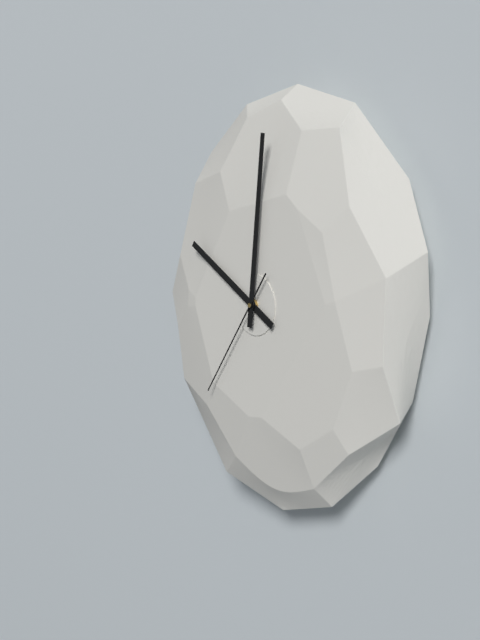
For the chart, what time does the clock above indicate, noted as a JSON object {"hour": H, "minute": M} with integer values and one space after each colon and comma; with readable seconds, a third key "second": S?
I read {"hour": 10, "minute": 1, "second": 36}
